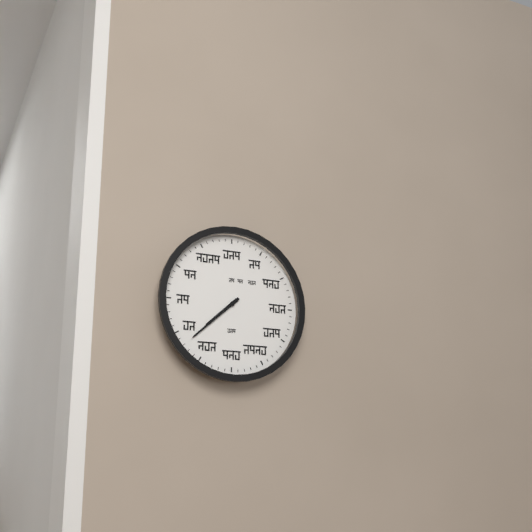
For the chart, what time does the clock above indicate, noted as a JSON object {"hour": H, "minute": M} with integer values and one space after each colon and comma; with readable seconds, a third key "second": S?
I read {"hour": 7, "minute": 38}
